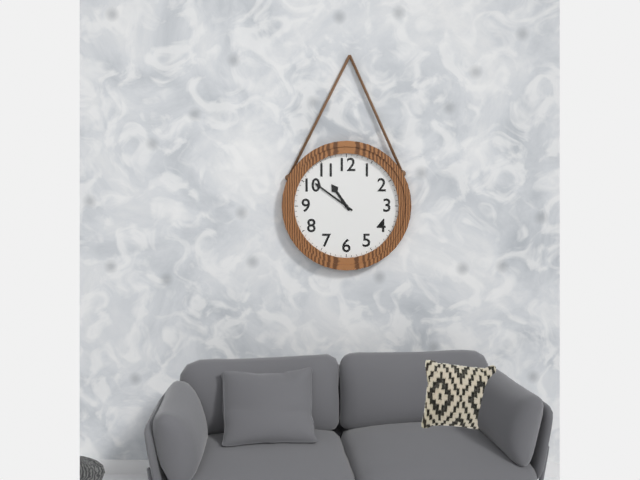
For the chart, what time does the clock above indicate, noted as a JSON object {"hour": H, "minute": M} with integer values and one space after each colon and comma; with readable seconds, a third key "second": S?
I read {"hour": 10, "minute": 51}
